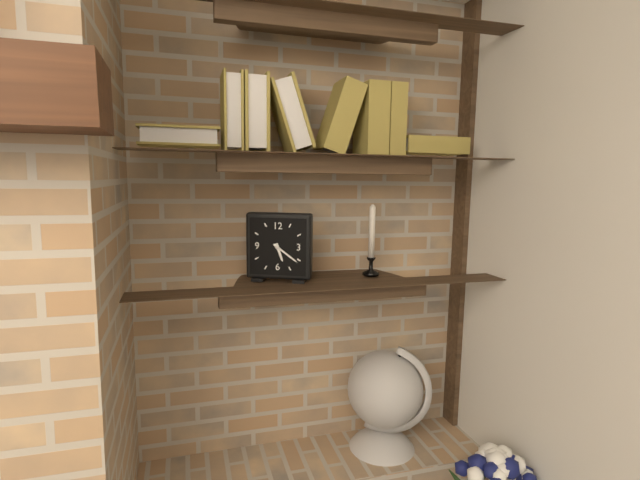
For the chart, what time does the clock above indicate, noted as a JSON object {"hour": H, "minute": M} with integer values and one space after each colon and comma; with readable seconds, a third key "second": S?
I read {"hour": 5, "minute": 21}
